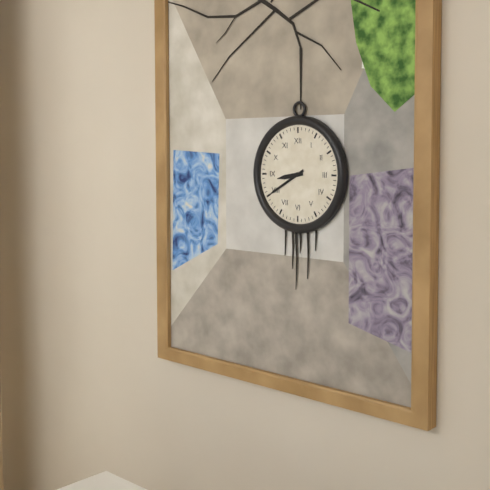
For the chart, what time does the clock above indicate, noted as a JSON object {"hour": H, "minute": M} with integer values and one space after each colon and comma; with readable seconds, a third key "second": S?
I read {"hour": 8, "minute": 40}
